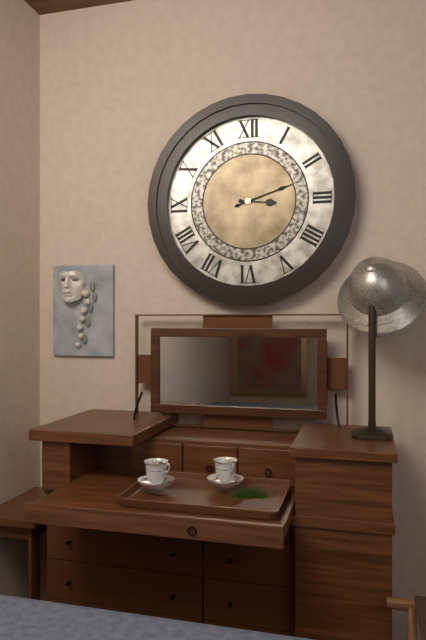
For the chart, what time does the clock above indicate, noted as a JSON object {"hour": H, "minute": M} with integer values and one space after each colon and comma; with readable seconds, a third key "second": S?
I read {"hour": 3, "minute": 12}
